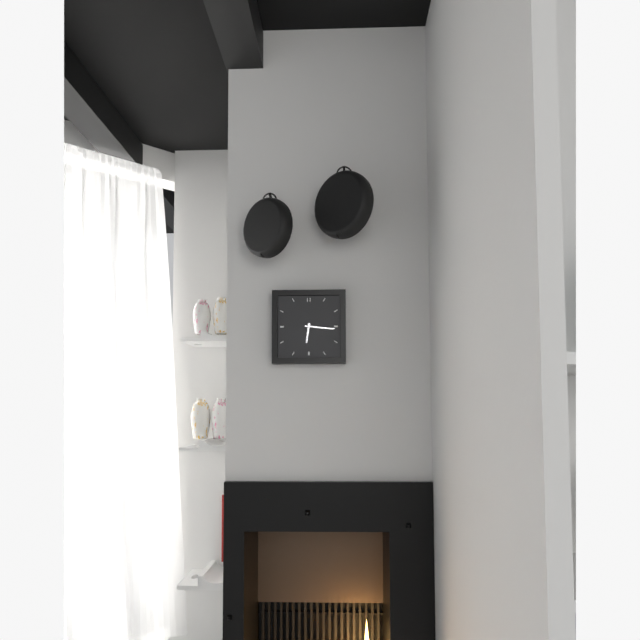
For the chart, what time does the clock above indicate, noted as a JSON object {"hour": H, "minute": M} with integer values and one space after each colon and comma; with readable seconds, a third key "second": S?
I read {"hour": 6, "minute": 16}
